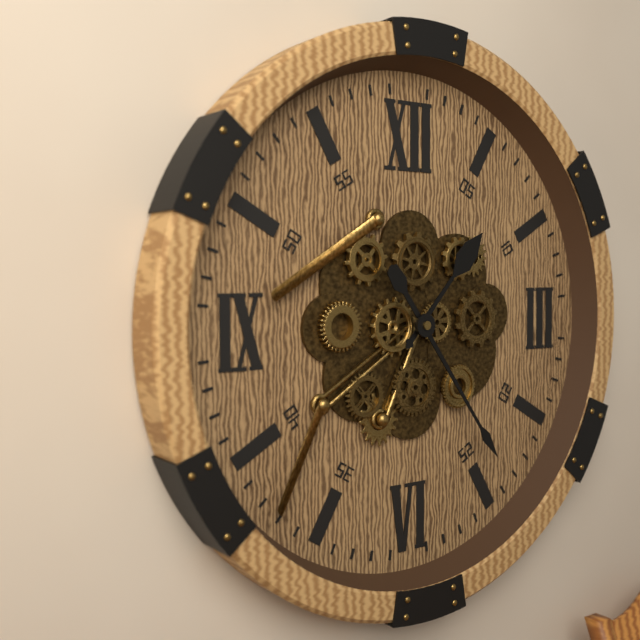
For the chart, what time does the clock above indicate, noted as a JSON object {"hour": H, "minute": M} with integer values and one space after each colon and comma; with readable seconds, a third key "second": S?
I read {"hour": 1, "minute": 24}
